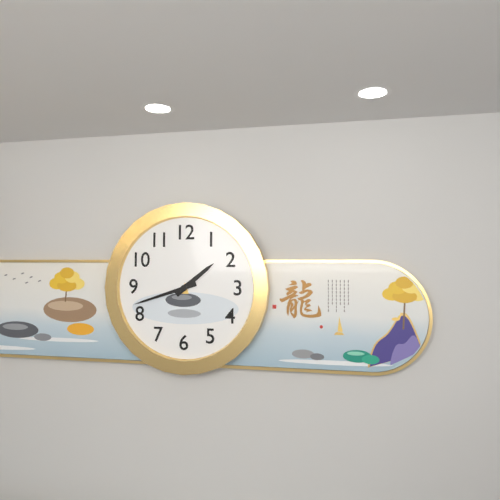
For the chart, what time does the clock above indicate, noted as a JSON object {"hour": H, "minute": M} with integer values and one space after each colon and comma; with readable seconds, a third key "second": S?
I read {"hour": 1, "minute": 42}
